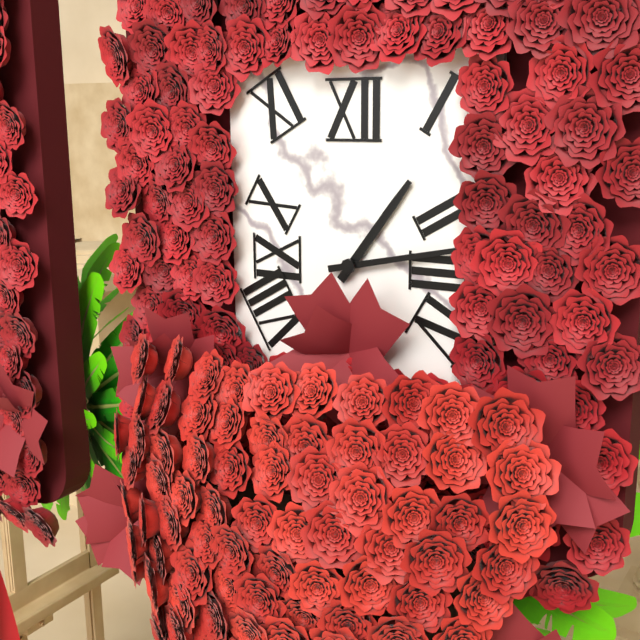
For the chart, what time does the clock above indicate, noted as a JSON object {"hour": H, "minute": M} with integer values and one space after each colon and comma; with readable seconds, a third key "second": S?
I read {"hour": 1, "minute": 13}
